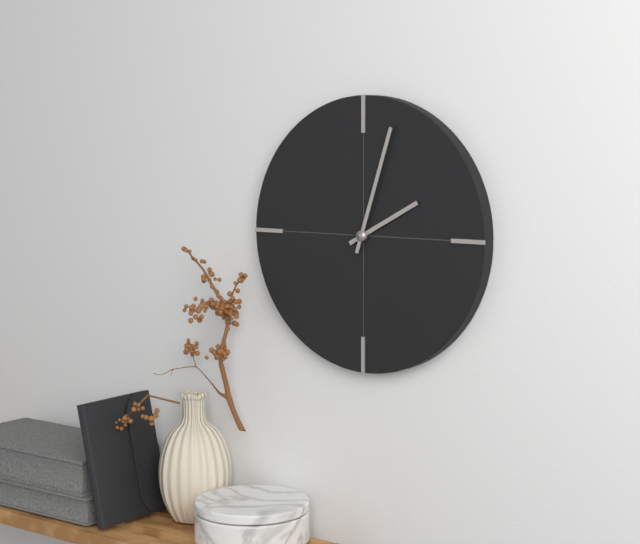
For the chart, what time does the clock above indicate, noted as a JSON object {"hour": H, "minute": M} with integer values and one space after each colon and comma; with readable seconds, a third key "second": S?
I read {"hour": 2, "minute": 3}
